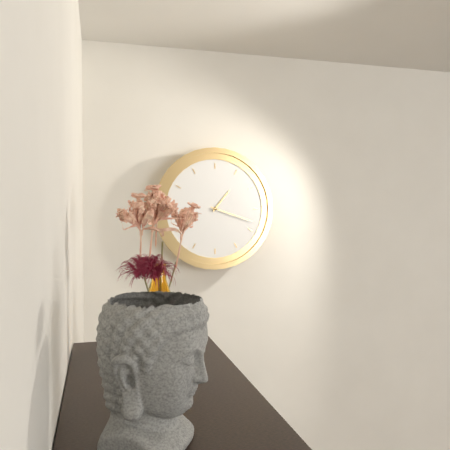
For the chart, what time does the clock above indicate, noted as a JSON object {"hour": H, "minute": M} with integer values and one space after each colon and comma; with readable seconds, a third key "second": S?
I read {"hour": 1, "minute": 18}
